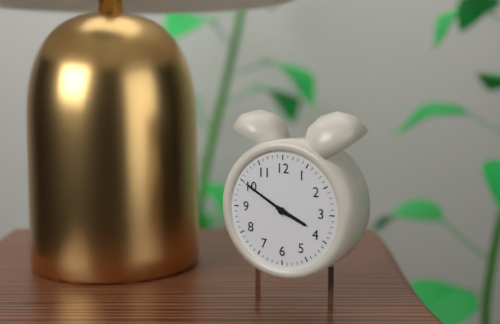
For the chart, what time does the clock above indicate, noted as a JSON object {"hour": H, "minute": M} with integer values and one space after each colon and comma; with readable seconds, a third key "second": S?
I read {"hour": 3, "minute": 50}
